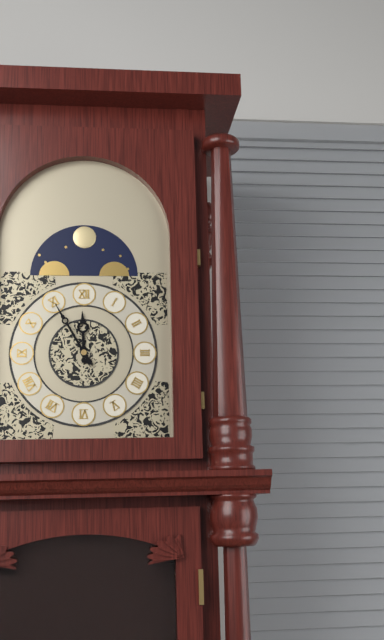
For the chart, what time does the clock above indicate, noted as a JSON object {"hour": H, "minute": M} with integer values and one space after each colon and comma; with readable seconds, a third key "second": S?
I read {"hour": 11, "minute": 55}
